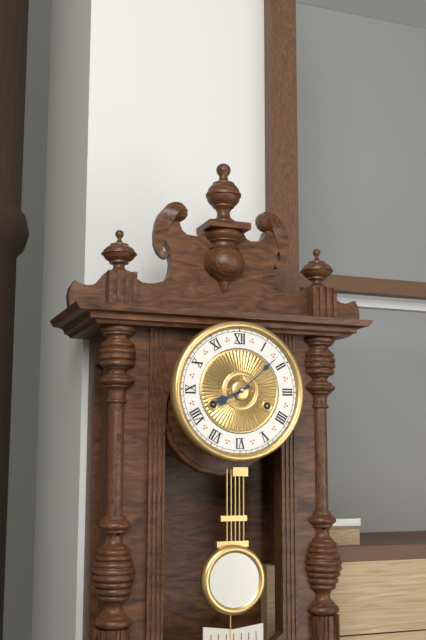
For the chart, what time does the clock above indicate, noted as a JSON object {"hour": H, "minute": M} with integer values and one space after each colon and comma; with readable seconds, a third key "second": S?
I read {"hour": 8, "minute": 8}
